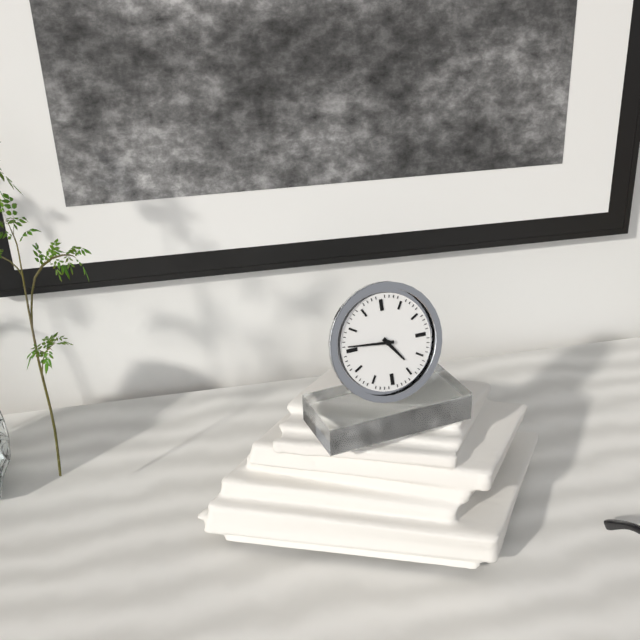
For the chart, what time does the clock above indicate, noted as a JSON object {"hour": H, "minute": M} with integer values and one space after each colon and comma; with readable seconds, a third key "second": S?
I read {"hour": 4, "minute": 46}
